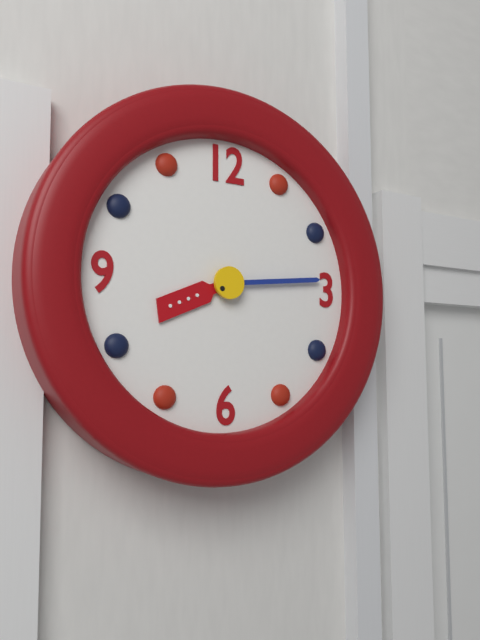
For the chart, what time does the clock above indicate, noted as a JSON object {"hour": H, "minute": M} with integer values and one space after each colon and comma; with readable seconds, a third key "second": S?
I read {"hour": 8, "minute": 14}
